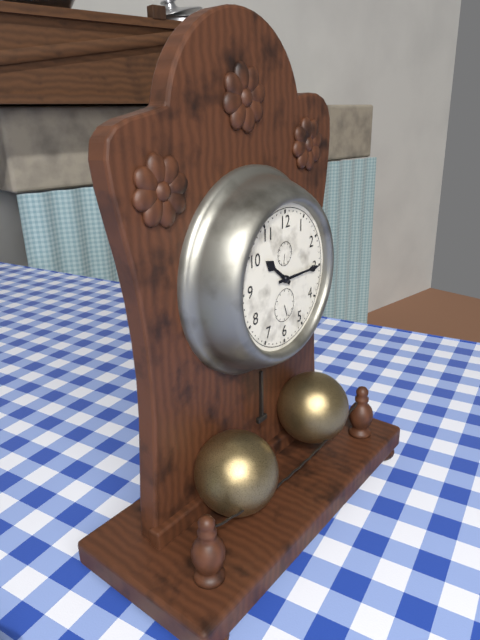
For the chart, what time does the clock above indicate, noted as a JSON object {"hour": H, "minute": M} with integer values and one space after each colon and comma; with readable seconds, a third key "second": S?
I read {"hour": 10, "minute": 15}
